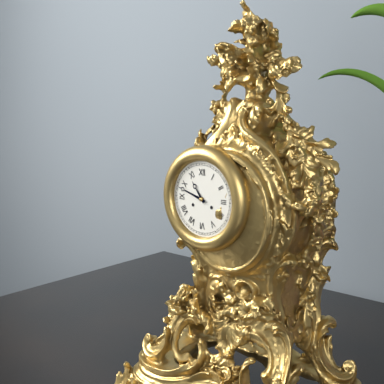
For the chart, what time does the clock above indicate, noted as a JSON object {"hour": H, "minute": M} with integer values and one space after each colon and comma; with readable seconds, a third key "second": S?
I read {"hour": 10, "minute": 48}
